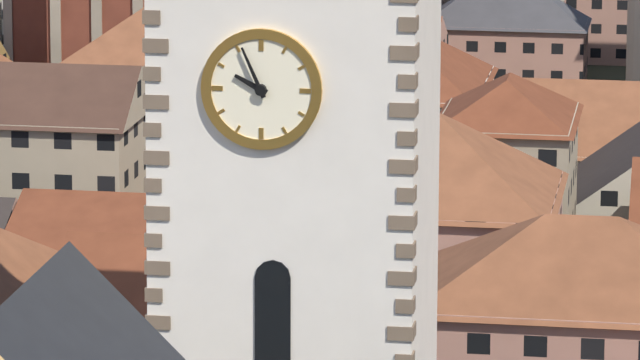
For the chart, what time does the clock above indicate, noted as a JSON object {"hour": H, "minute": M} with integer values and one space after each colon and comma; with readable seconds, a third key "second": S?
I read {"hour": 9, "minute": 56}
